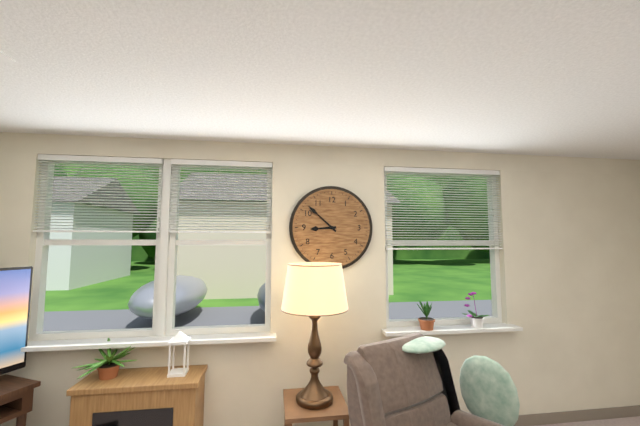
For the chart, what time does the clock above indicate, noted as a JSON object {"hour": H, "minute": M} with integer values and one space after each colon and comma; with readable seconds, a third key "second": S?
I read {"hour": 8, "minute": 52}
